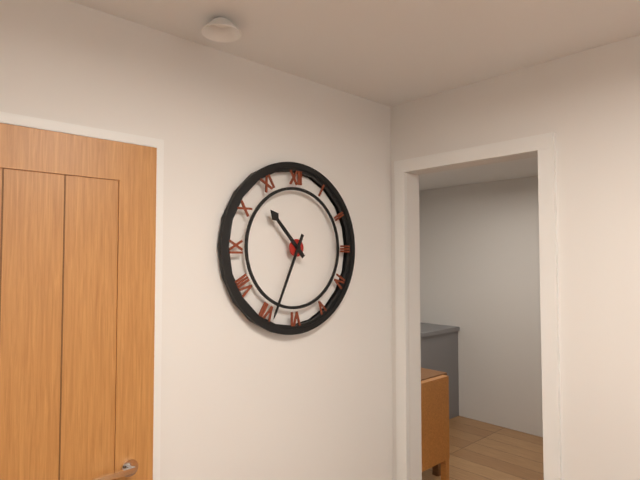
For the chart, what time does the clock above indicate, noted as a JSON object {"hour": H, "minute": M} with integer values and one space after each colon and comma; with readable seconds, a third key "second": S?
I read {"hour": 10, "minute": 34}
